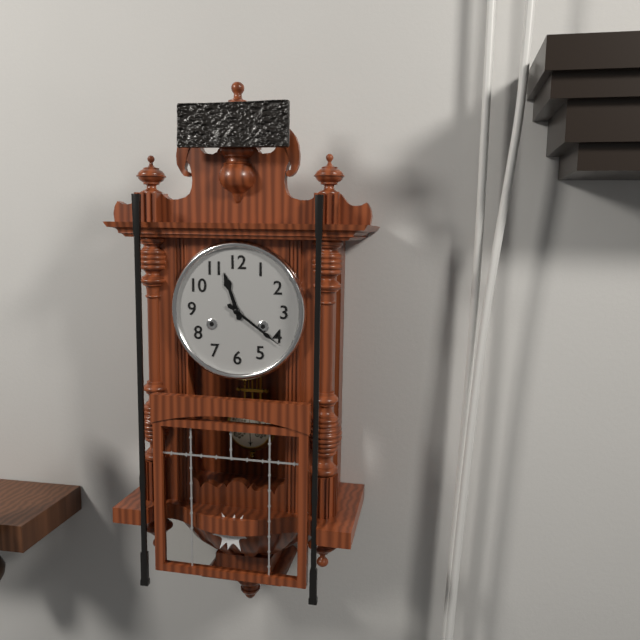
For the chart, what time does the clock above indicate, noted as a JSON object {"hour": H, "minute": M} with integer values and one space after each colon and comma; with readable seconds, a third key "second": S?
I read {"hour": 11, "minute": 21}
